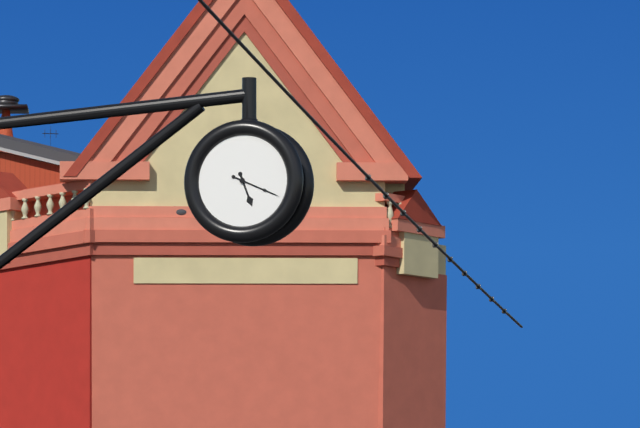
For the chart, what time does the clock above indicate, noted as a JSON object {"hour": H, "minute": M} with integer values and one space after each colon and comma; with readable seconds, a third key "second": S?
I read {"hour": 5, "minute": 19}
